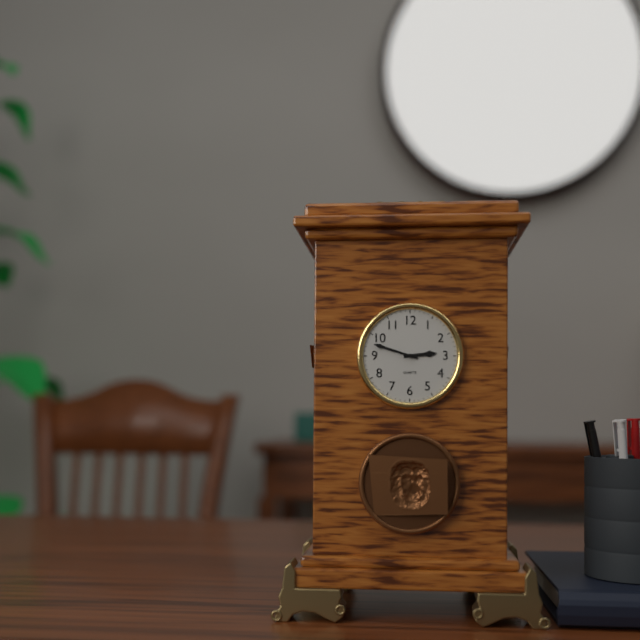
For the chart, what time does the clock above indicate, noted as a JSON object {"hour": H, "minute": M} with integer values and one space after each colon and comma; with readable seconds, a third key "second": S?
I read {"hour": 2, "minute": 48}
